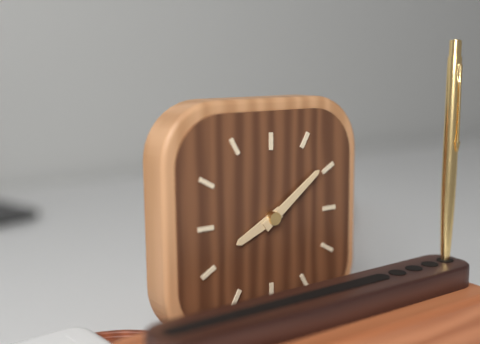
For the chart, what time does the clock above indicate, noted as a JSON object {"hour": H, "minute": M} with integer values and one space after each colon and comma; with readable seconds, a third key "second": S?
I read {"hour": 8, "minute": 9}
